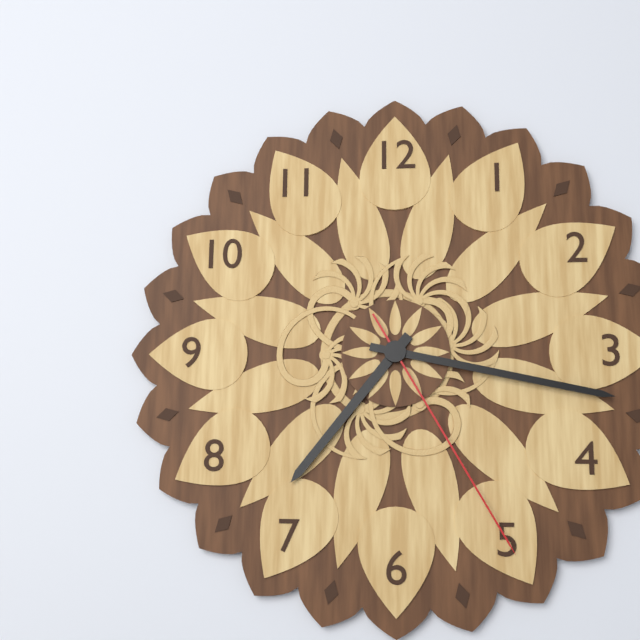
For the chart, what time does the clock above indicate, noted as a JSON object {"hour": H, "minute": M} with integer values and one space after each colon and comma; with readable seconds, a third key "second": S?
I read {"hour": 7, "minute": 17, "second": 25}
